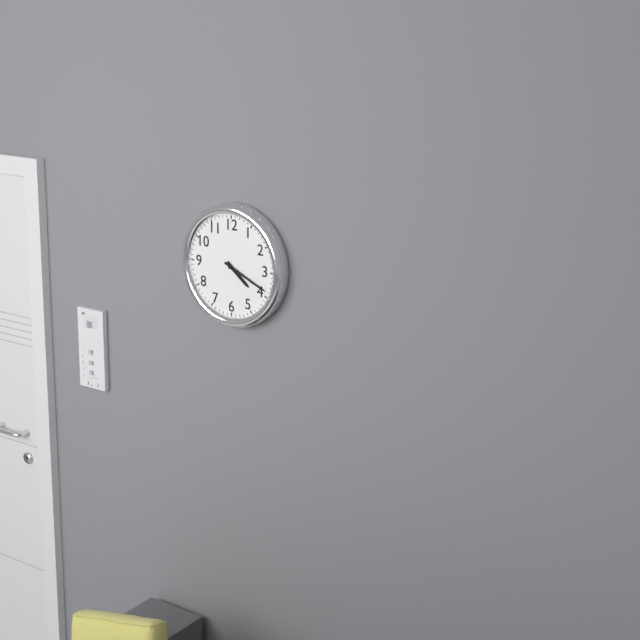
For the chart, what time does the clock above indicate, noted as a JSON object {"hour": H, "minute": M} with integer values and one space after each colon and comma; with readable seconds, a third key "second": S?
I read {"hour": 4, "minute": 19}
